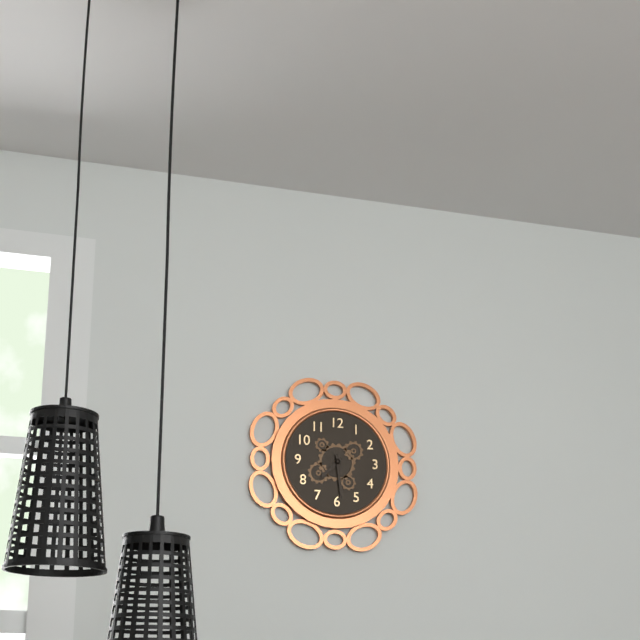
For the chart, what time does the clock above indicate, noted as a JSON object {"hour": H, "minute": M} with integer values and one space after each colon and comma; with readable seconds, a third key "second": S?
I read {"hour": 7, "minute": 29}
